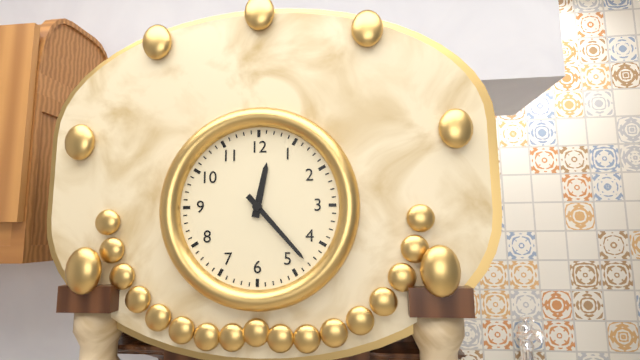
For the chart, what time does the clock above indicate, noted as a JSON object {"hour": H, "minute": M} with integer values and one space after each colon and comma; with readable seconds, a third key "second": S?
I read {"hour": 12, "minute": 23}
